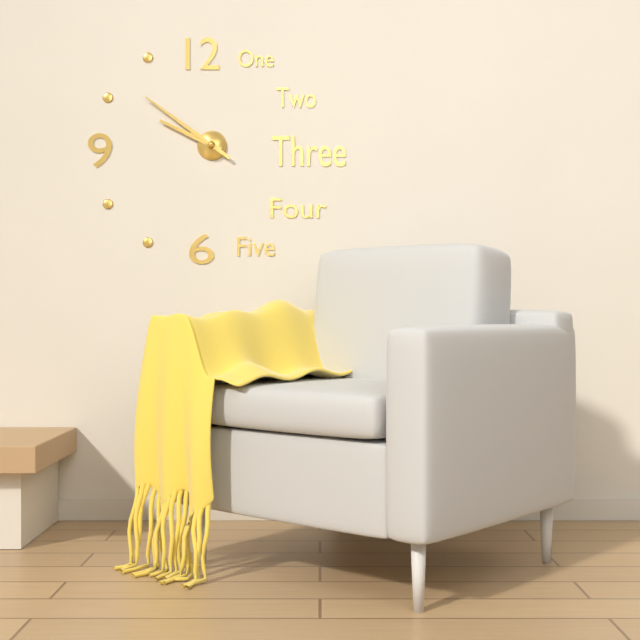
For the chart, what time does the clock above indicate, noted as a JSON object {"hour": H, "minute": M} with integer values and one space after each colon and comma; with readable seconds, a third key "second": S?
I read {"hour": 9, "minute": 51}
